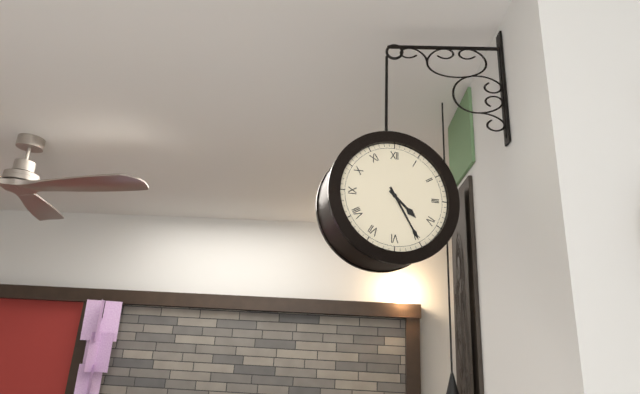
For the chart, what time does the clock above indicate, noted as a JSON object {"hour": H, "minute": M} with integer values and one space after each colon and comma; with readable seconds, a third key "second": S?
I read {"hour": 4, "minute": 25}
